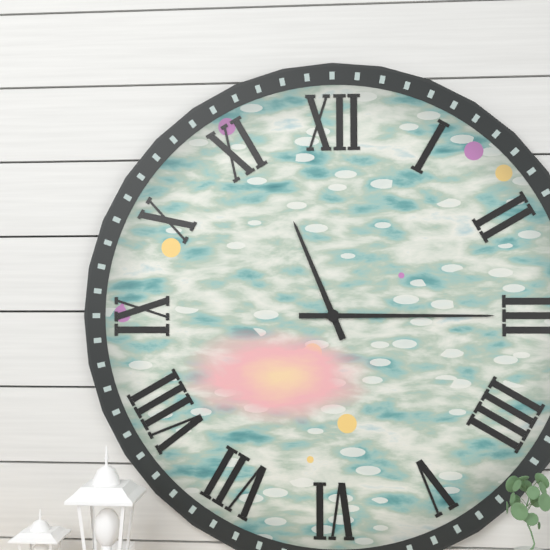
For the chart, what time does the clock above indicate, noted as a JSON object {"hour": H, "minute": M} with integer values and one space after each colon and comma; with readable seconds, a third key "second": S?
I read {"hour": 11, "minute": 15}
